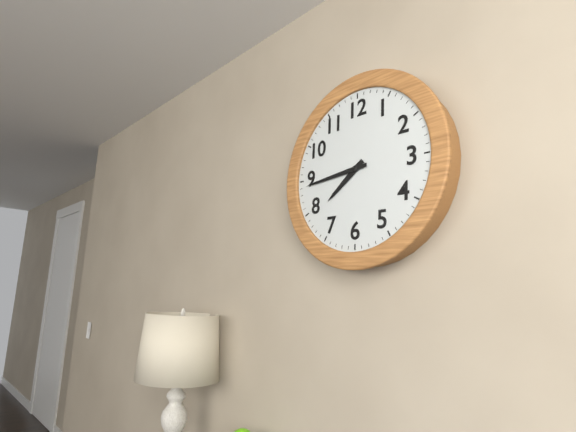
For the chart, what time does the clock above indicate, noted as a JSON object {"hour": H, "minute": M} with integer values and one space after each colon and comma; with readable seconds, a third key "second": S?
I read {"hour": 7, "minute": 44}
